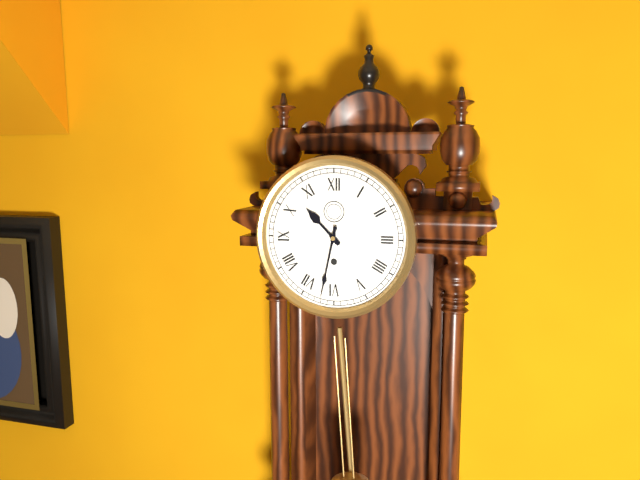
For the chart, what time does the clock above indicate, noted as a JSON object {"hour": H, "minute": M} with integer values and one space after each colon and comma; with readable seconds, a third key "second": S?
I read {"hour": 10, "minute": 32}
